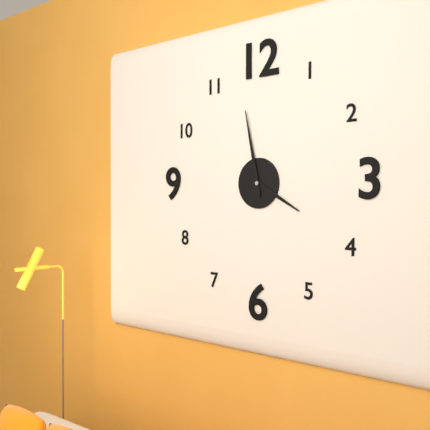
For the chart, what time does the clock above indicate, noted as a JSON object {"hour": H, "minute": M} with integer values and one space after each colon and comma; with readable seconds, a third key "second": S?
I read {"hour": 3, "minute": 58}
